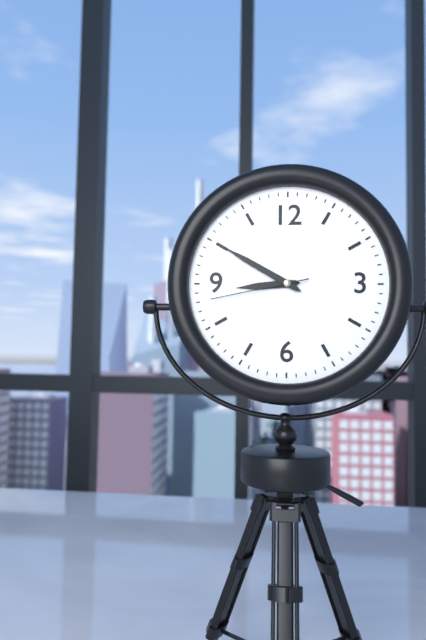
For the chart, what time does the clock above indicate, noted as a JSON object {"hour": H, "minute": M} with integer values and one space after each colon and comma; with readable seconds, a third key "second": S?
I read {"hour": 8, "minute": 50, "second": 43}
